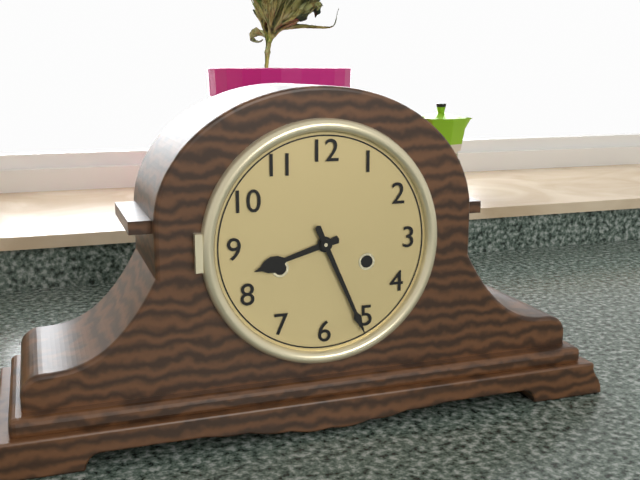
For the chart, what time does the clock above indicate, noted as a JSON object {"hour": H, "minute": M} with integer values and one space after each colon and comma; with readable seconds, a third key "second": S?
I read {"hour": 8, "minute": 26}
